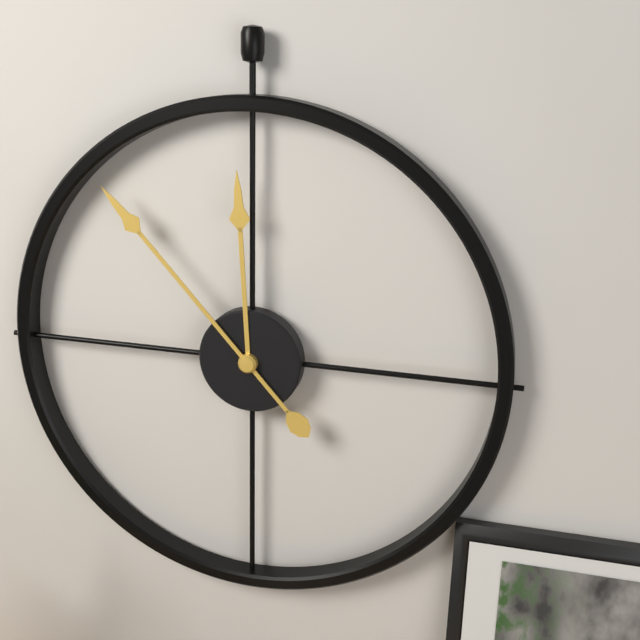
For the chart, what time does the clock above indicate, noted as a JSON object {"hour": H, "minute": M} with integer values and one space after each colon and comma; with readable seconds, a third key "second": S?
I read {"hour": 11, "minute": 53}
